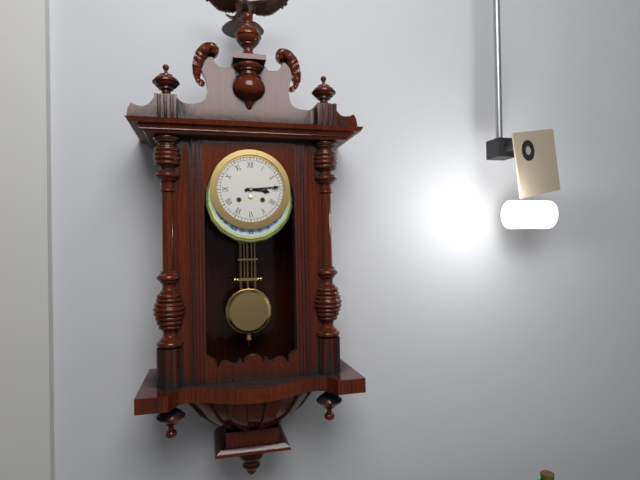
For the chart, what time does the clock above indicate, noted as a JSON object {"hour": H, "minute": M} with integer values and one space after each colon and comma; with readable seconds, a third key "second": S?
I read {"hour": 3, "minute": 14}
